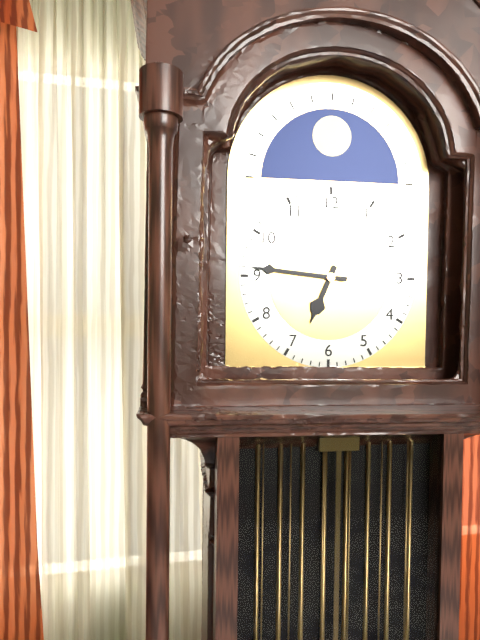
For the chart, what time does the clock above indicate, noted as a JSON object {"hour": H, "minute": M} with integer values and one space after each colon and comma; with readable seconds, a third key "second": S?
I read {"hour": 6, "minute": 46}
